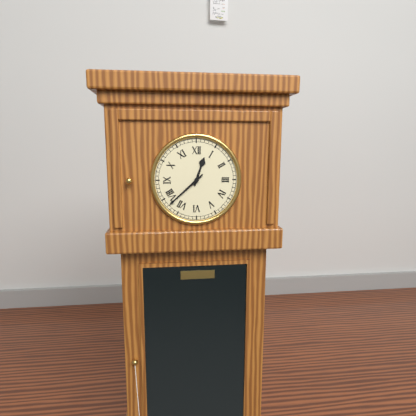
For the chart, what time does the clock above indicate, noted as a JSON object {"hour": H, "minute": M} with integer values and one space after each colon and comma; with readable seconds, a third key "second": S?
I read {"hour": 12, "minute": 38}
